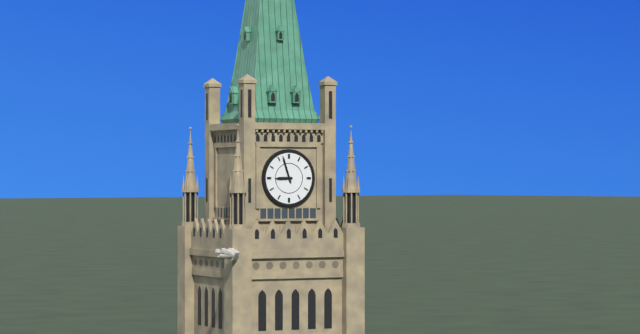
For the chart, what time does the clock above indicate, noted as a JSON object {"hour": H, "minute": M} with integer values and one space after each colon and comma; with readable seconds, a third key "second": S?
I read {"hour": 8, "minute": 57}
